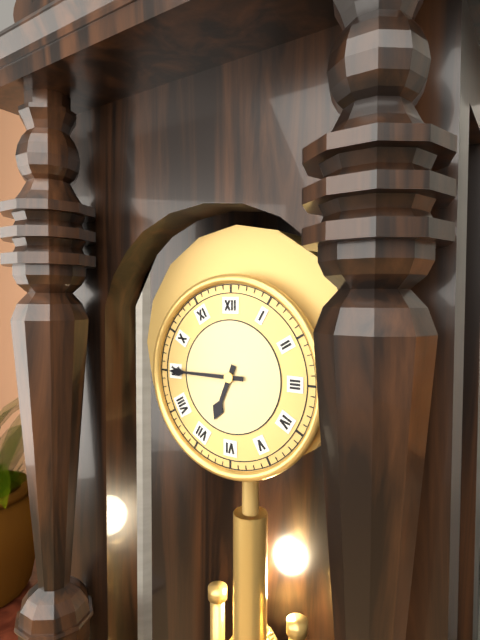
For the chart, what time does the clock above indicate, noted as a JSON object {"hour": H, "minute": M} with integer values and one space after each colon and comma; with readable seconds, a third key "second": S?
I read {"hour": 6, "minute": 45}
